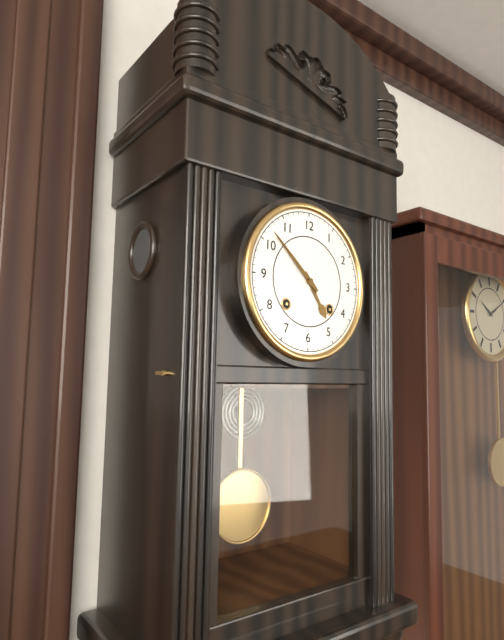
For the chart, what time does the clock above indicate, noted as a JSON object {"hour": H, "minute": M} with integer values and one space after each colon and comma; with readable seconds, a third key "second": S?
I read {"hour": 4, "minute": 52}
